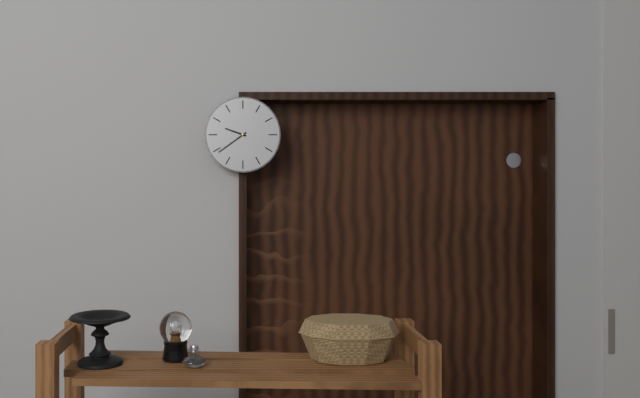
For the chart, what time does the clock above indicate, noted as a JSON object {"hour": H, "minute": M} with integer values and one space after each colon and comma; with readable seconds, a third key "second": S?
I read {"hour": 9, "minute": 39}
